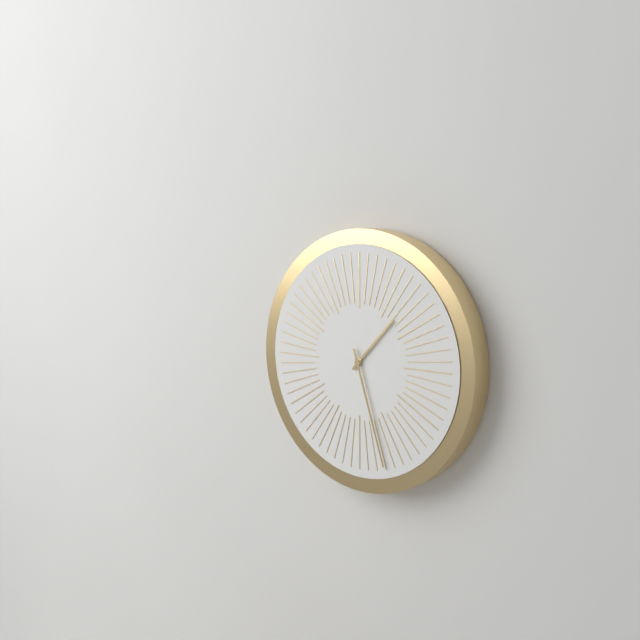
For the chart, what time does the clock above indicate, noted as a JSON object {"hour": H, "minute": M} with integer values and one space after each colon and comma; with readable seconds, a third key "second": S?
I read {"hour": 1, "minute": 27}
